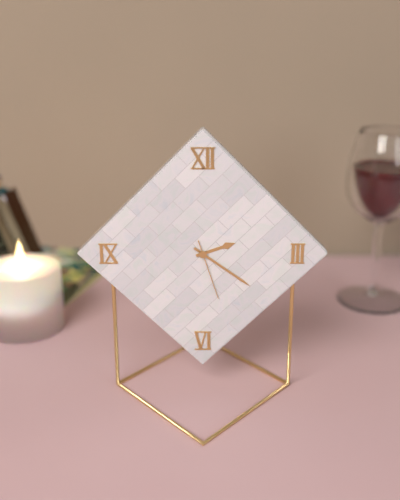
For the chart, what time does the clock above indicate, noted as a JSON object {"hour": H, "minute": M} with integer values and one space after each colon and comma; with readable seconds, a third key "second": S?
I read {"hour": 2, "minute": 21, "second": 27}
